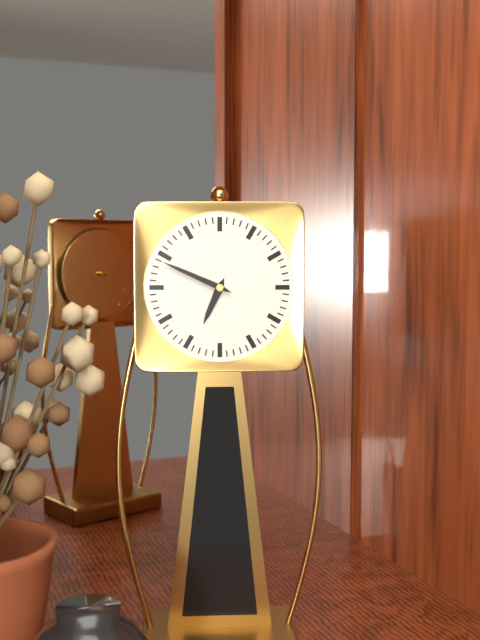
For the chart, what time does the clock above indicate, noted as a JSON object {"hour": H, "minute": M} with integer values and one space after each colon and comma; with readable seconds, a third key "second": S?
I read {"hour": 6, "minute": 49}
